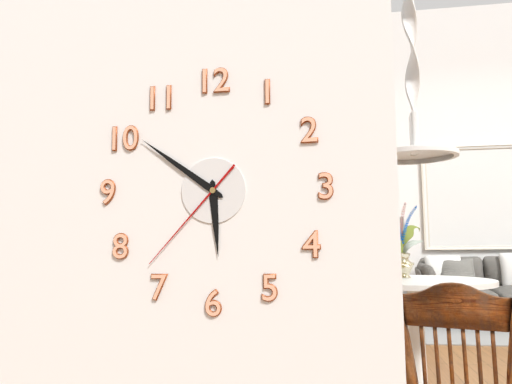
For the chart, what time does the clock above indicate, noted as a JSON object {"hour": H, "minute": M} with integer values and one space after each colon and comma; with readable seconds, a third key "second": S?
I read {"hour": 5, "minute": 51, "second": 37}
